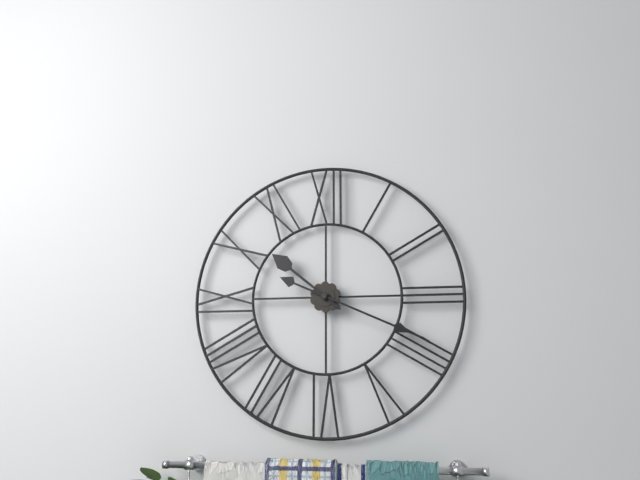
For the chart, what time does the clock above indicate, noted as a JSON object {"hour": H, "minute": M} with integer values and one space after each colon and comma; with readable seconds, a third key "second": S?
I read {"hour": 10, "minute": 19}
